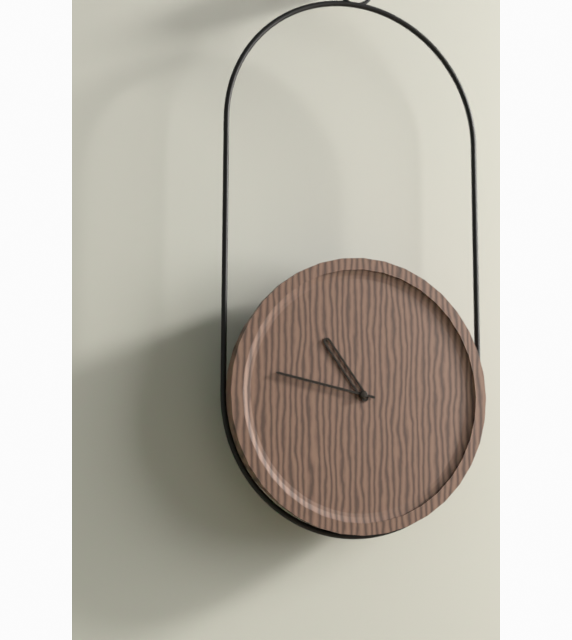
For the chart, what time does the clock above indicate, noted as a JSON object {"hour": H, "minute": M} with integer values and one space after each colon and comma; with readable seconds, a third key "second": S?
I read {"hour": 10, "minute": 47}
